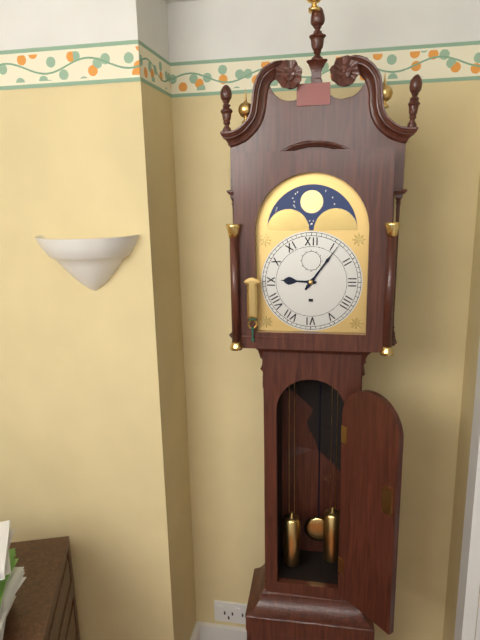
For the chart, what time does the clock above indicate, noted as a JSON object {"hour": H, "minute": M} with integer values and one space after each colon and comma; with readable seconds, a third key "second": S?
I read {"hour": 9, "minute": 6}
